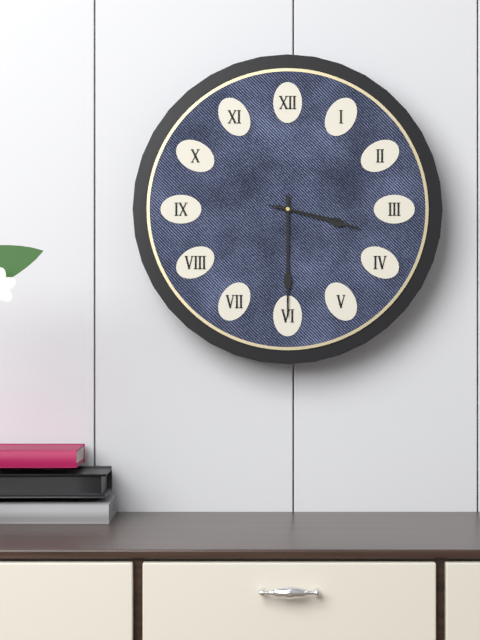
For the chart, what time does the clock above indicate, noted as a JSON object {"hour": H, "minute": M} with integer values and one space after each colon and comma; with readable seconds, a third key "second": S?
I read {"hour": 3, "minute": 30, "second": 17}
